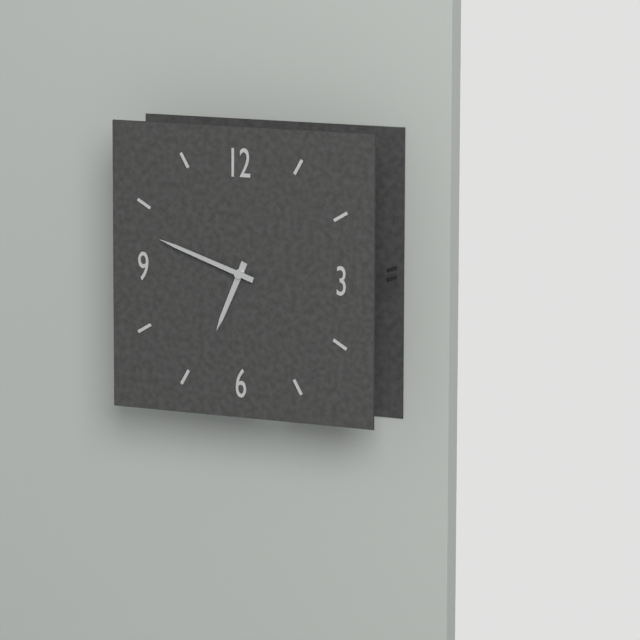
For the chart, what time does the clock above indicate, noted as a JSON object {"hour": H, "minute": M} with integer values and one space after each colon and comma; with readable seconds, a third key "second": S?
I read {"hour": 6, "minute": 48}
